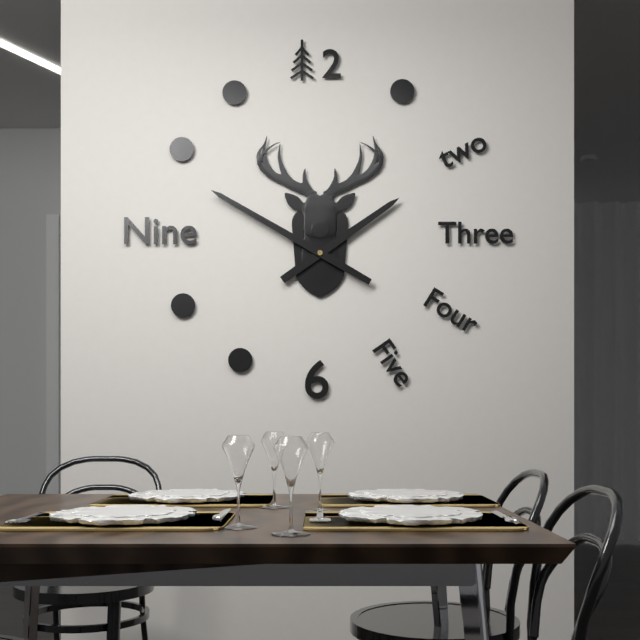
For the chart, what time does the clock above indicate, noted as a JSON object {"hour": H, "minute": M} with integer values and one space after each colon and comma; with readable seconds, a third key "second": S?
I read {"hour": 1, "minute": 50}
